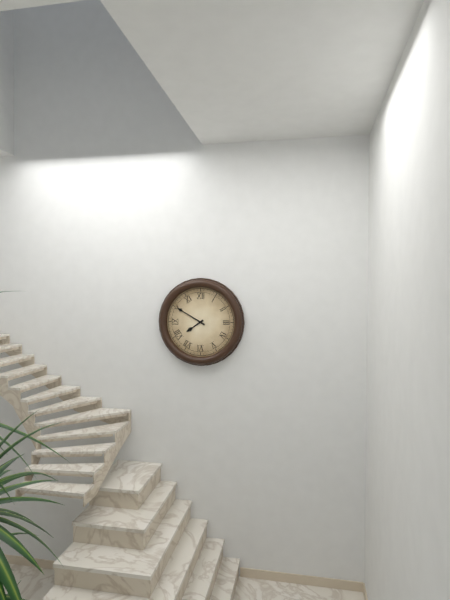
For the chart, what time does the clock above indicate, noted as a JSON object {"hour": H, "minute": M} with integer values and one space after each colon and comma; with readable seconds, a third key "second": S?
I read {"hour": 7, "minute": 50}
